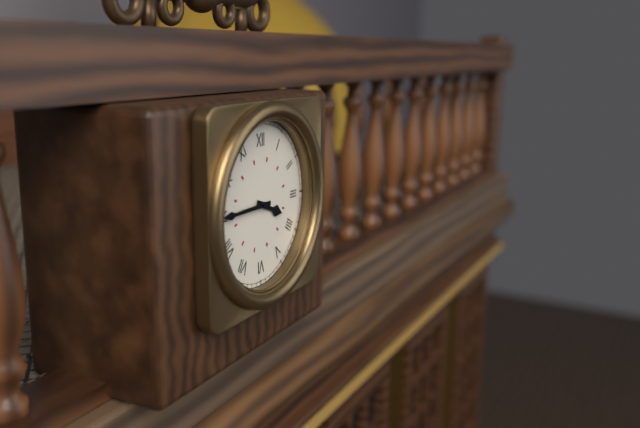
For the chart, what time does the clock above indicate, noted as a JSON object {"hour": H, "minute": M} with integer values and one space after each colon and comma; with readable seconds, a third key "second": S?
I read {"hour": 3, "minute": 45}
